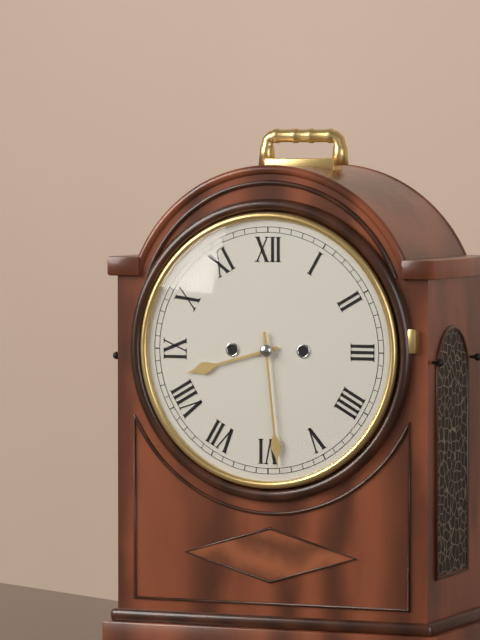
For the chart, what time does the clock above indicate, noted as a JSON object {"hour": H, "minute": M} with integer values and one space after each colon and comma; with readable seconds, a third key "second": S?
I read {"hour": 8, "minute": 29}
